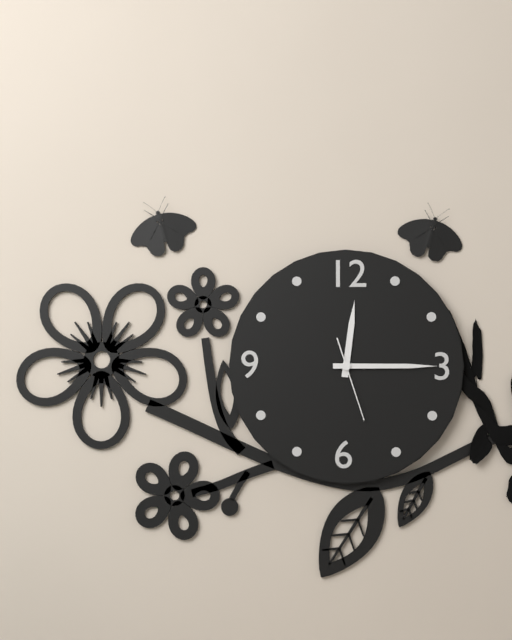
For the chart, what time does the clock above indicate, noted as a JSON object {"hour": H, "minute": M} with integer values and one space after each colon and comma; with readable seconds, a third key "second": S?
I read {"hour": 12, "minute": 15, "second": 27}
